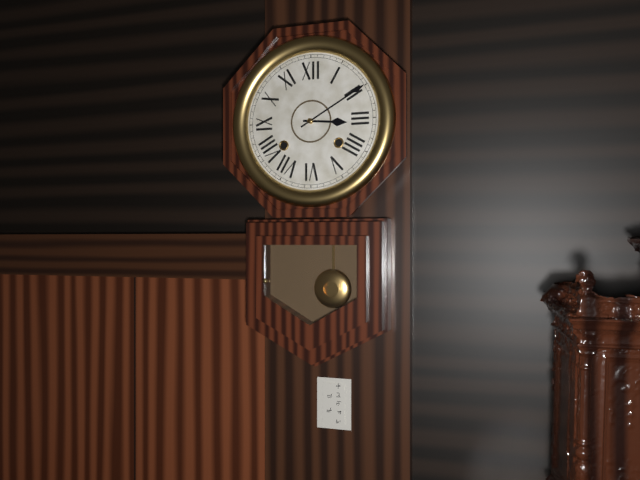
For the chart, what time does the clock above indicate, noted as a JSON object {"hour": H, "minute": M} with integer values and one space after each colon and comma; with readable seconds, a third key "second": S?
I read {"hour": 3, "minute": 10}
